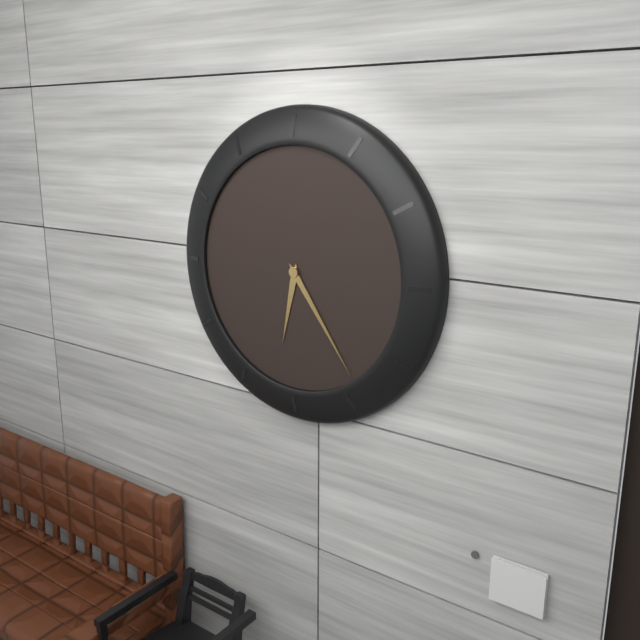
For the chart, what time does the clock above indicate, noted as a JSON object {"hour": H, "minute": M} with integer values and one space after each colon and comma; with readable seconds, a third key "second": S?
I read {"hour": 6, "minute": 24}
